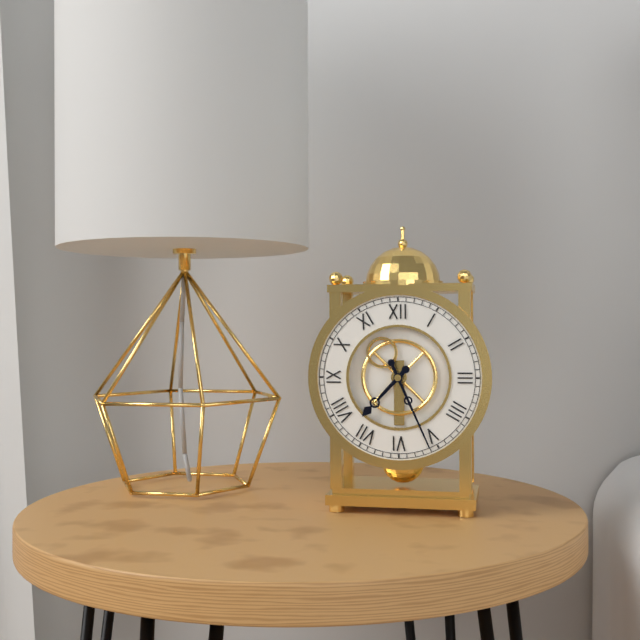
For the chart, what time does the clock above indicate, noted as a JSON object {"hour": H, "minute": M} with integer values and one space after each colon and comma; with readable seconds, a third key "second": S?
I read {"hour": 7, "minute": 26}
